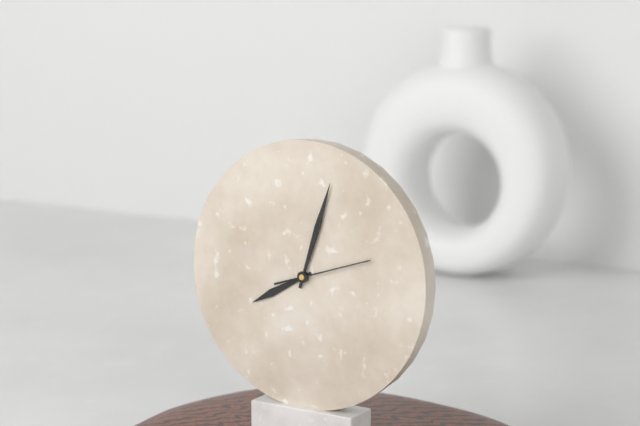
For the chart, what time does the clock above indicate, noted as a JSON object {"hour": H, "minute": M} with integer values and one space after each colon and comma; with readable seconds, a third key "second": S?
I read {"hour": 8, "minute": 3, "second": 12}
